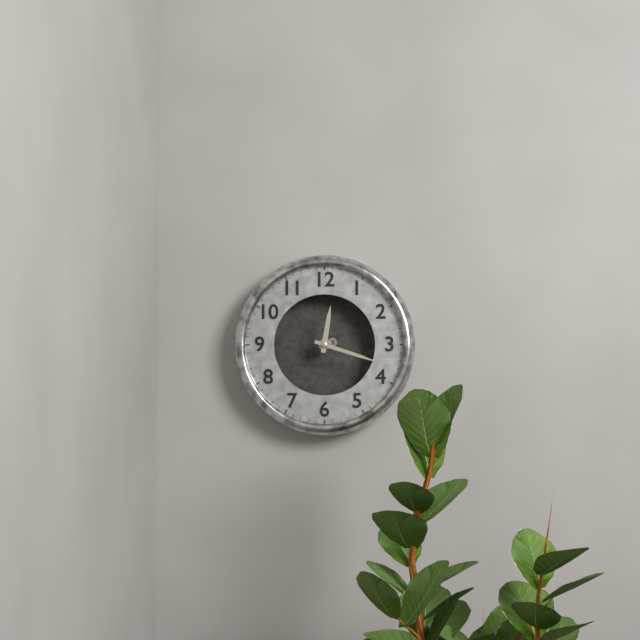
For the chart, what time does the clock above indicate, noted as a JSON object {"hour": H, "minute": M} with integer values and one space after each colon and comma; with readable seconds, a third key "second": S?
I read {"hour": 12, "minute": 18}
